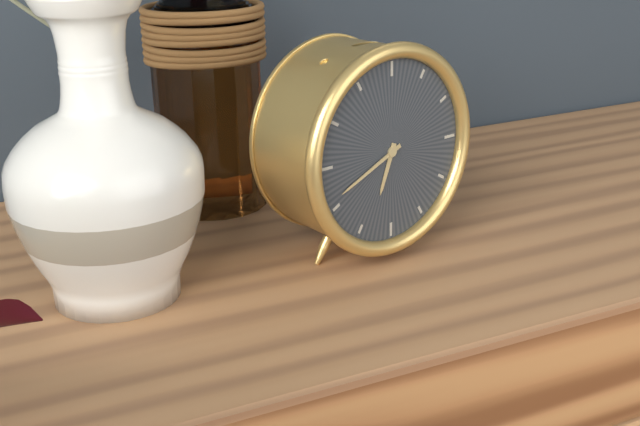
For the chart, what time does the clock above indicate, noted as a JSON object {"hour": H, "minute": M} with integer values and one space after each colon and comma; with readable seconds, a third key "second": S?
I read {"hour": 6, "minute": 41}
